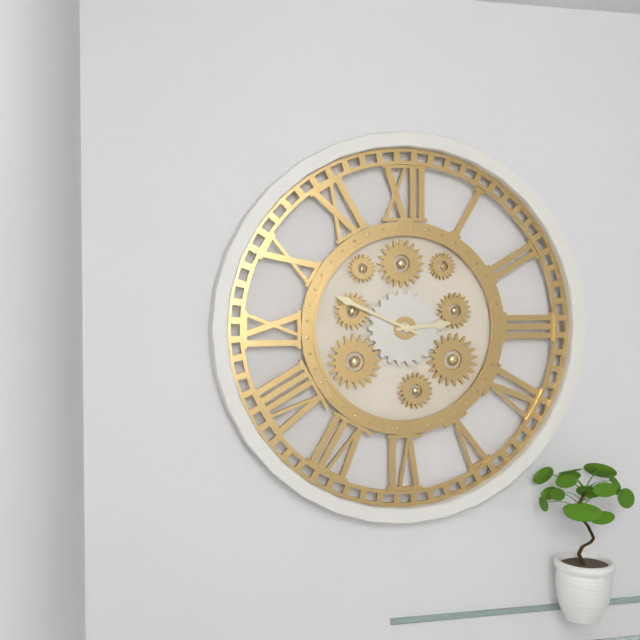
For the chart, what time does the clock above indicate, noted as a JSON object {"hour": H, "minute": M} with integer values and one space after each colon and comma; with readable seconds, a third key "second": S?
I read {"hour": 2, "minute": 49}
